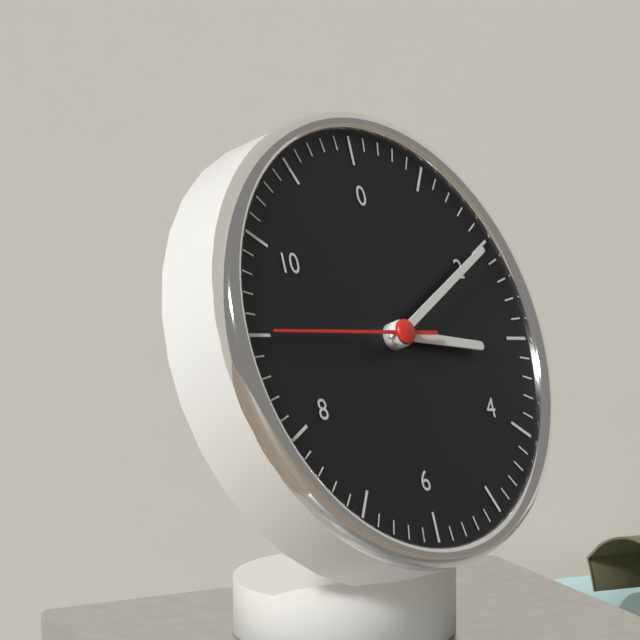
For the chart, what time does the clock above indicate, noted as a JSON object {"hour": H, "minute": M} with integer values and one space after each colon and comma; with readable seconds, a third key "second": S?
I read {"hour": 3, "minute": 10, "second": 45}
